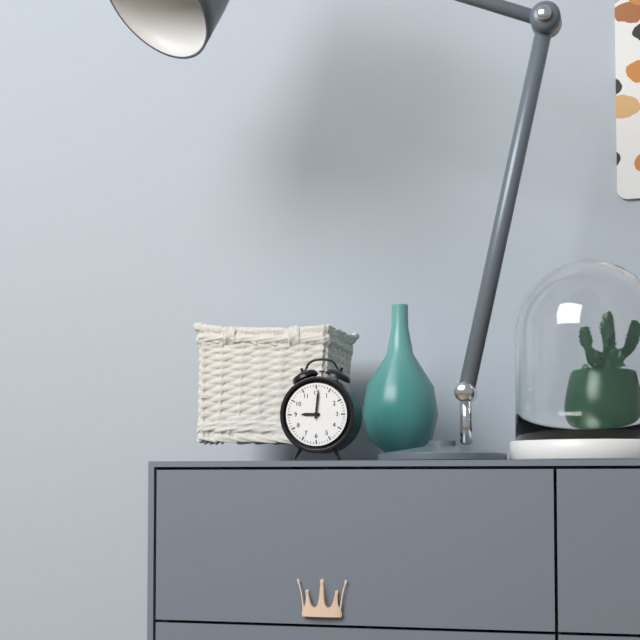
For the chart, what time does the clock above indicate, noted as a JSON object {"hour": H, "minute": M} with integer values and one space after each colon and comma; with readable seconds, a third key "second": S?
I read {"hour": 9, "minute": 1}
